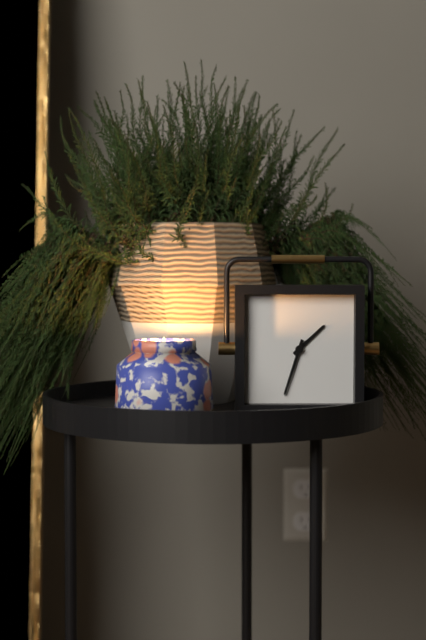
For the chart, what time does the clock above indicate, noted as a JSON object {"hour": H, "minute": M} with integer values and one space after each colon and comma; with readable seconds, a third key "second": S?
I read {"hour": 1, "minute": 33}
